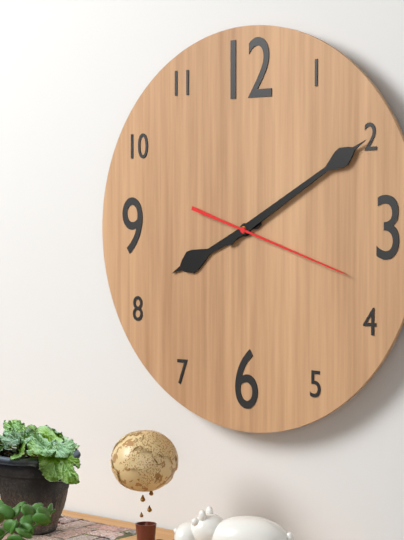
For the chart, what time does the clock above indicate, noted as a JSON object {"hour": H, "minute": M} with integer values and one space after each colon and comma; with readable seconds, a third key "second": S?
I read {"hour": 8, "minute": 10, "second": 18}
